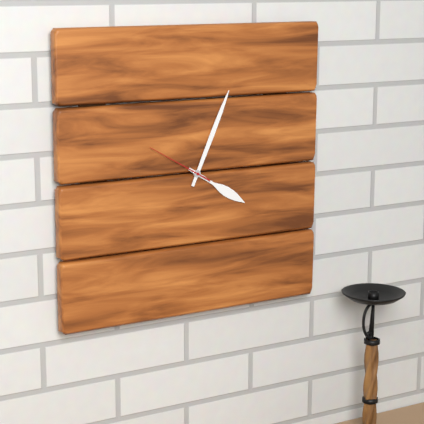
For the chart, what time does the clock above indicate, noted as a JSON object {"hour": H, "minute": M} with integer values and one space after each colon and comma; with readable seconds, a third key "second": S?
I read {"hour": 4, "minute": 4, "second": 50}
